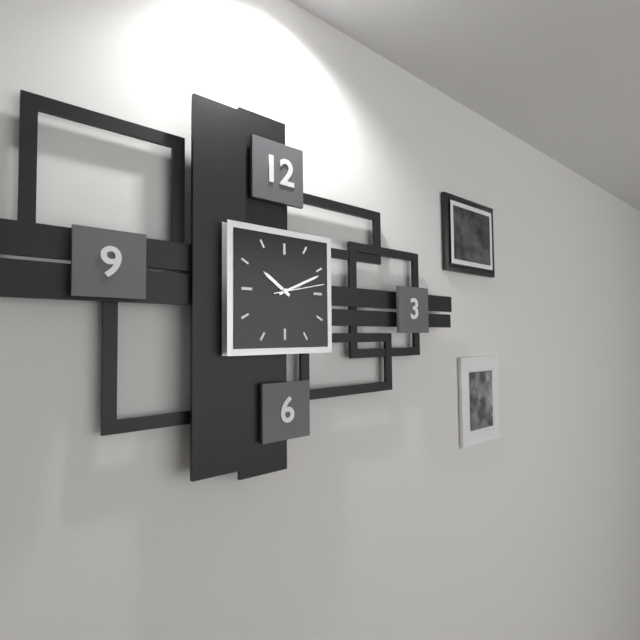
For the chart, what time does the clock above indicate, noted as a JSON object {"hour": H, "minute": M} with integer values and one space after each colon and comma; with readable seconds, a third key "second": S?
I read {"hour": 10, "minute": 11, "second": 13}
